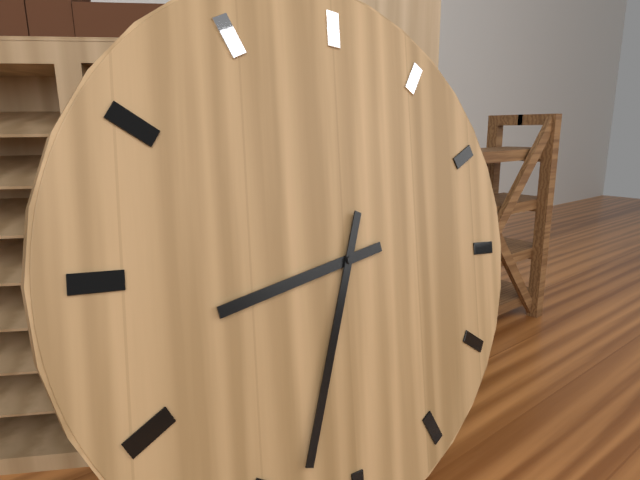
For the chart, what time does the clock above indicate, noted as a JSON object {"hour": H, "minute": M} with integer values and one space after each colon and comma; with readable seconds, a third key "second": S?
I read {"hour": 8, "minute": 33}
